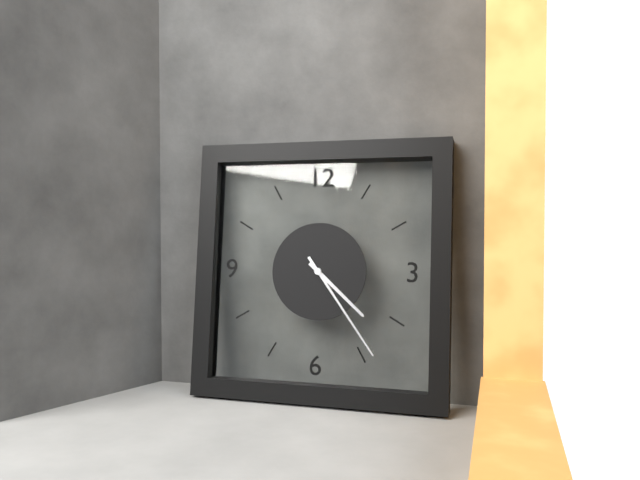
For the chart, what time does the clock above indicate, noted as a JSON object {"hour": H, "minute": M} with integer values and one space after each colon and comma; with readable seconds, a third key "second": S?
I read {"hour": 4, "minute": 24}
